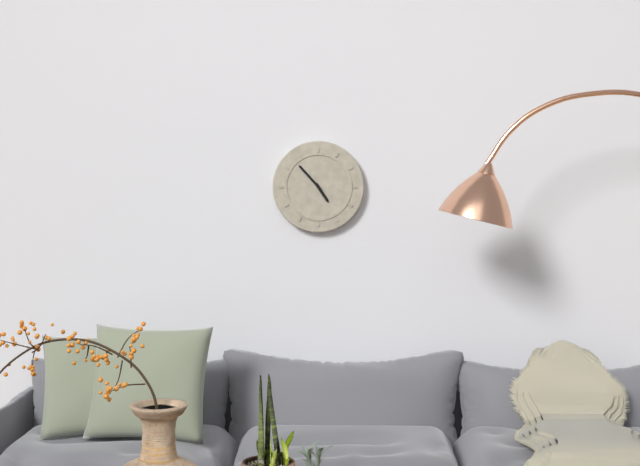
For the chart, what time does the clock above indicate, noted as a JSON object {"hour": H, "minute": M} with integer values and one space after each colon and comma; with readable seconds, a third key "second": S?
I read {"hour": 4, "minute": 53}
